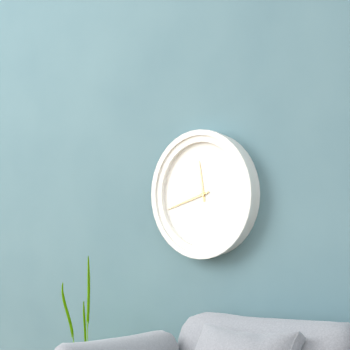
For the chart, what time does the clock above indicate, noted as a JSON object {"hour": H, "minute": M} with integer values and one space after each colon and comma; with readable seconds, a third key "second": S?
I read {"hour": 11, "minute": 42}
